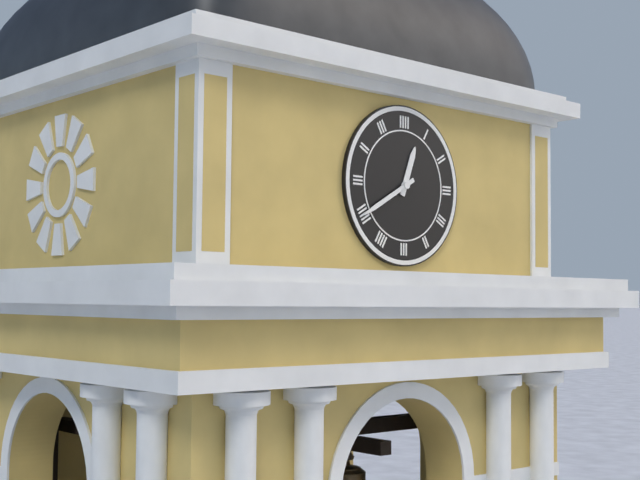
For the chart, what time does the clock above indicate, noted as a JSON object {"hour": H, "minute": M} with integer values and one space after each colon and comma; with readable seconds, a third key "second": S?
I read {"hour": 12, "minute": 40}
